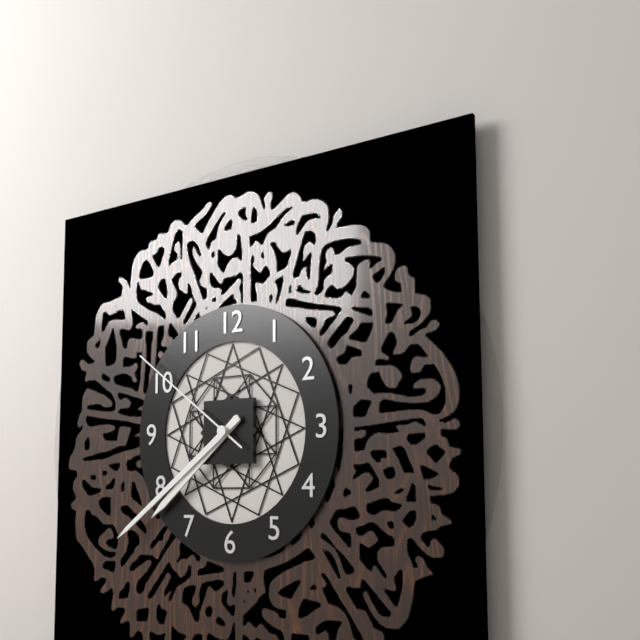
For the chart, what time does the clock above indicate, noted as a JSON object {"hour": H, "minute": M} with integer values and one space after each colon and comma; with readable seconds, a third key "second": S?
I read {"hour": 7, "minute": 39, "second": 51}
